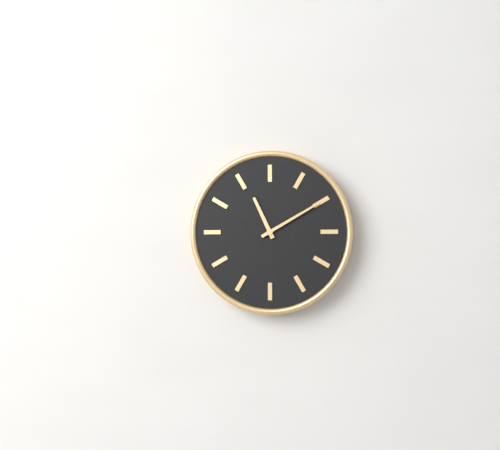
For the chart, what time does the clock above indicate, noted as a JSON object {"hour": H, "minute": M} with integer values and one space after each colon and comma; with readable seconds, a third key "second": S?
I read {"hour": 11, "minute": 10}
